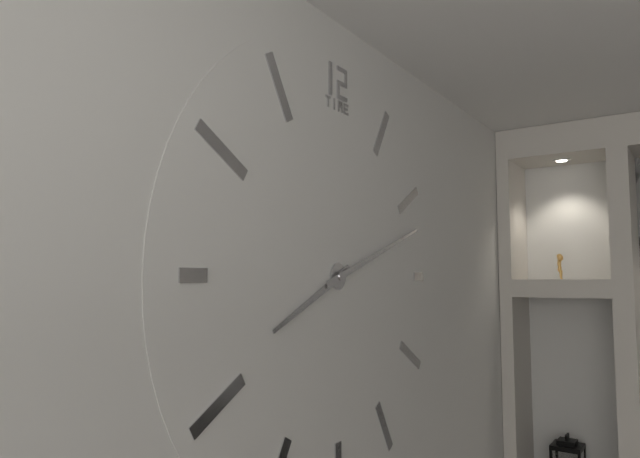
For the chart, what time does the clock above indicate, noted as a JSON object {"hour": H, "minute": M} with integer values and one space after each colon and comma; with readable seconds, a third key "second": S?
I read {"hour": 8, "minute": 12}
